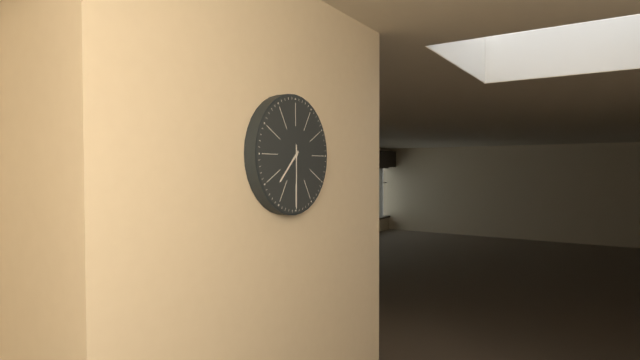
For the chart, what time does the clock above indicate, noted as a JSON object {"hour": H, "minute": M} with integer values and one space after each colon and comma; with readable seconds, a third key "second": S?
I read {"hour": 7, "minute": 30}
